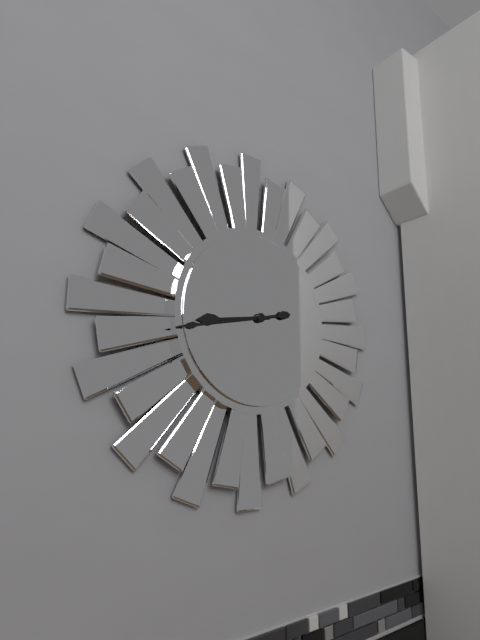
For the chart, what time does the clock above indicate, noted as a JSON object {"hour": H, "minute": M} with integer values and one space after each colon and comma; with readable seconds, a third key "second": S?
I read {"hour": 8, "minute": 43}
